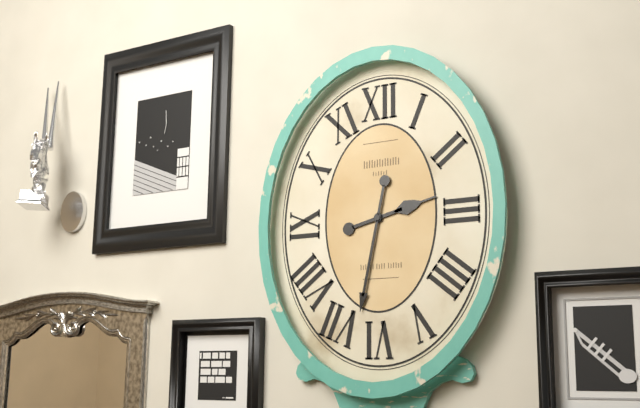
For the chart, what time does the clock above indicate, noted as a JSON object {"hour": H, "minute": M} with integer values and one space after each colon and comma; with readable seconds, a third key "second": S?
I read {"hour": 2, "minute": 32}
